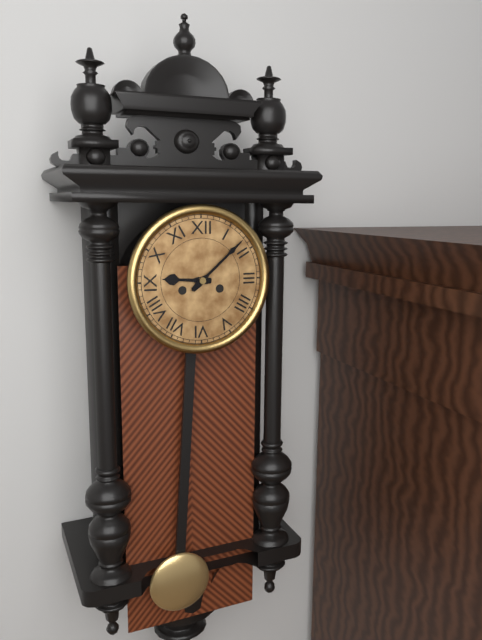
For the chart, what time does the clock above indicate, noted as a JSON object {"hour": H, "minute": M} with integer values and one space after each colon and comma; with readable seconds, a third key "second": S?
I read {"hour": 9, "minute": 8}
